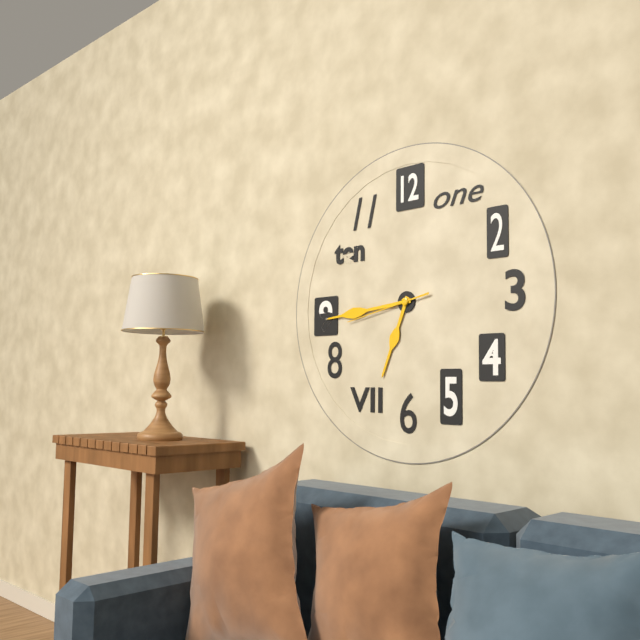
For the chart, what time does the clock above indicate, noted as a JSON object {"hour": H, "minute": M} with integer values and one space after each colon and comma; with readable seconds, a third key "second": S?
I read {"hour": 6, "minute": 44, "second": 43}
